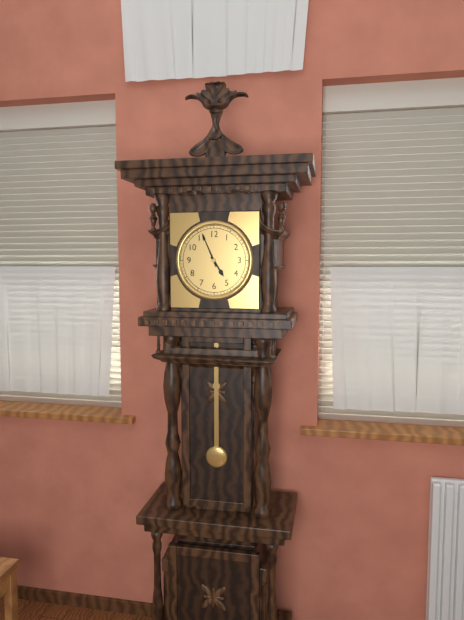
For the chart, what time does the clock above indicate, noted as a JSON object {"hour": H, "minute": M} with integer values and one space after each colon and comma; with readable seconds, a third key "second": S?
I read {"hour": 4, "minute": 56}
